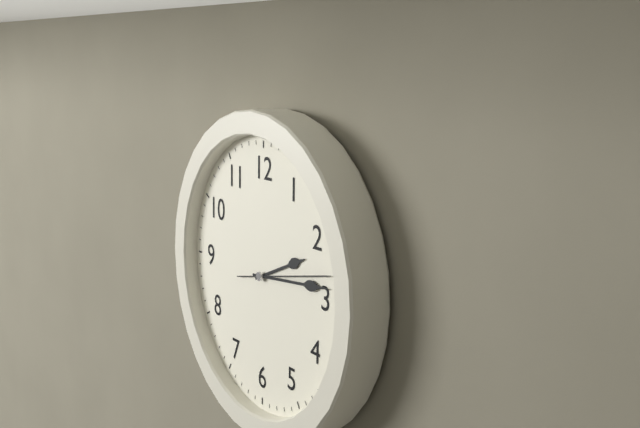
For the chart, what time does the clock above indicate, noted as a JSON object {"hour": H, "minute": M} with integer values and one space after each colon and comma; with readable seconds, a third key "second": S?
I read {"hour": 2, "minute": 14, "second": 13}
